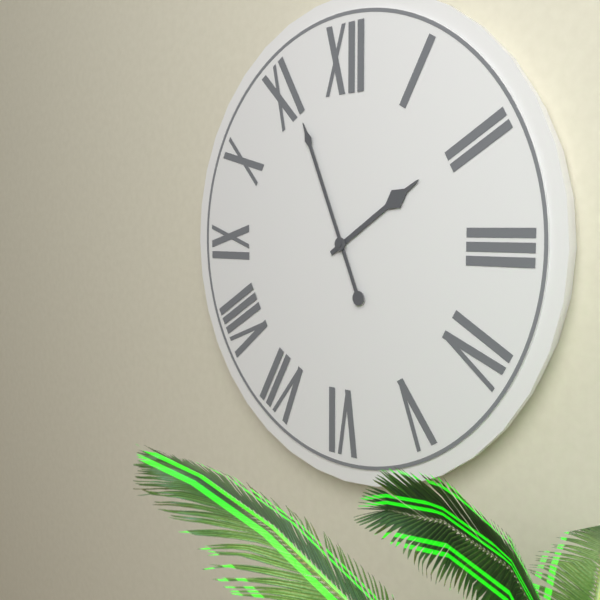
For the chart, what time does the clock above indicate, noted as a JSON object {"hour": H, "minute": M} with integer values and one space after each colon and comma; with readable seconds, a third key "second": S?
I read {"hour": 1, "minute": 56}
